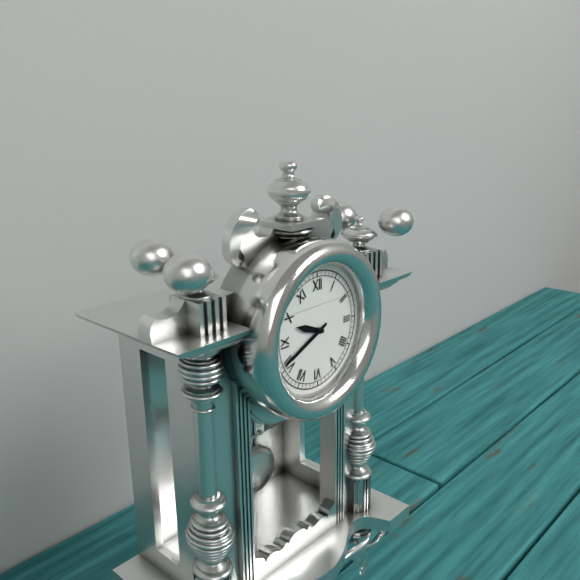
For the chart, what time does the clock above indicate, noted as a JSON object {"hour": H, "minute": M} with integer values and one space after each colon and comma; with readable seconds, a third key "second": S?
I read {"hour": 9, "minute": 41}
